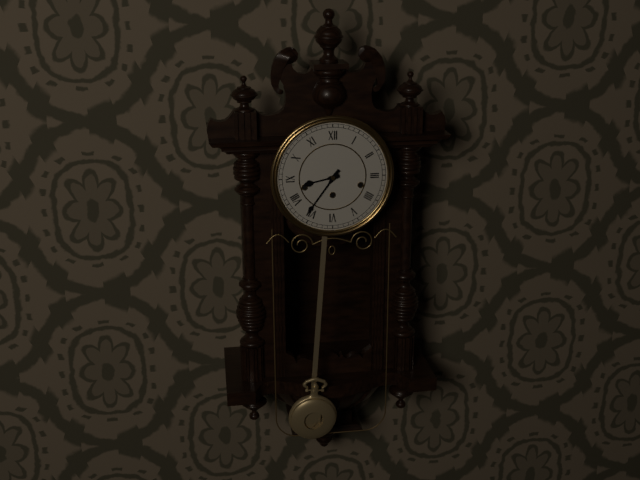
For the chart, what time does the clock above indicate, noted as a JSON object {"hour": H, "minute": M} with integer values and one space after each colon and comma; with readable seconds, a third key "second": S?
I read {"hour": 8, "minute": 36}
